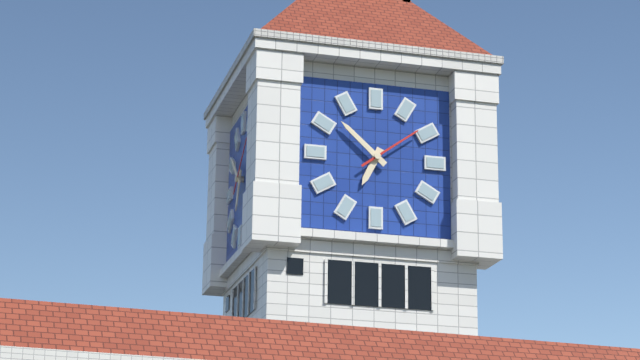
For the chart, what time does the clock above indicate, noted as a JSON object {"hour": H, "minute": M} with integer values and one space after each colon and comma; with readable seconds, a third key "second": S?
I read {"hour": 6, "minute": 52, "second": 9}
